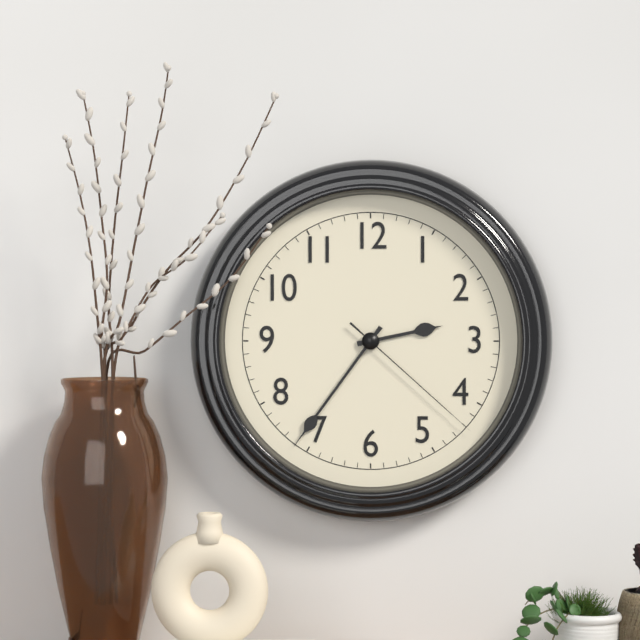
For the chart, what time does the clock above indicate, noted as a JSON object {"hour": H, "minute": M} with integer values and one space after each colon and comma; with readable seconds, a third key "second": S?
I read {"hour": 2, "minute": 36, "second": 22}
